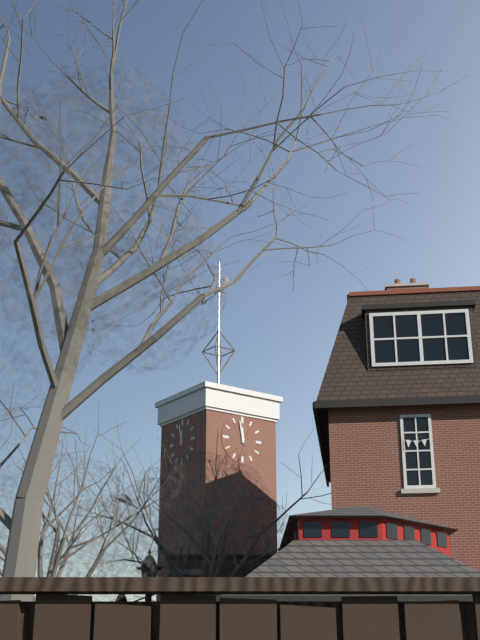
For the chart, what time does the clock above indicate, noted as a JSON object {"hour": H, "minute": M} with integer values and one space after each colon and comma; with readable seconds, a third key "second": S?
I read {"hour": 11, "minute": 58}
